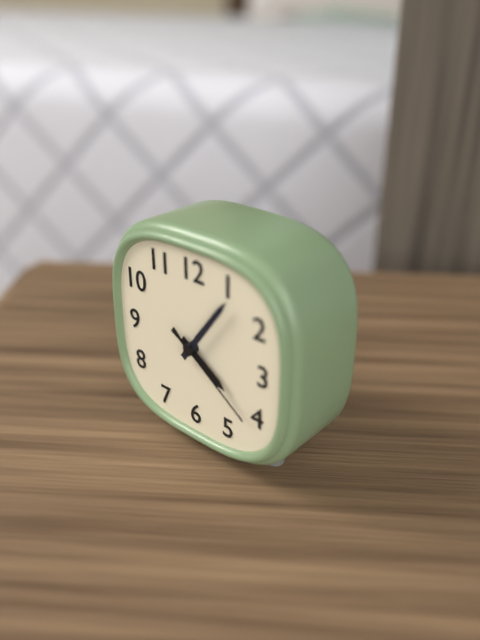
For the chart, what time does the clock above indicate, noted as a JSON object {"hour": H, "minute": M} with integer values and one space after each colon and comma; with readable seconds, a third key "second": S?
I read {"hour": 4, "minute": 6, "second": 21}
